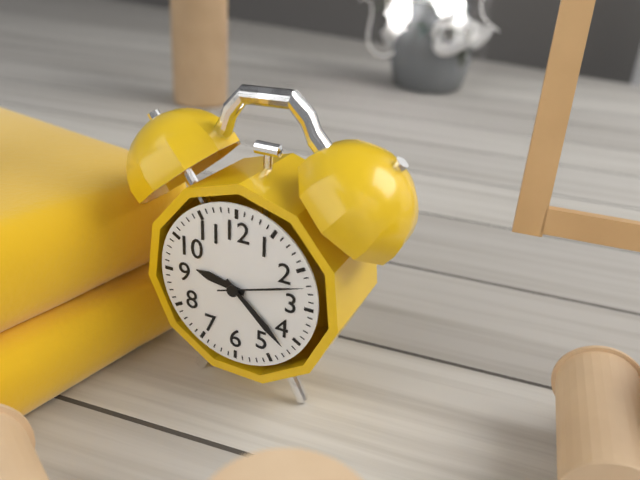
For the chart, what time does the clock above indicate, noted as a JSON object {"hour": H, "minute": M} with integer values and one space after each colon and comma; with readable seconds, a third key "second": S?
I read {"hour": 9, "minute": 22, "second": 12}
